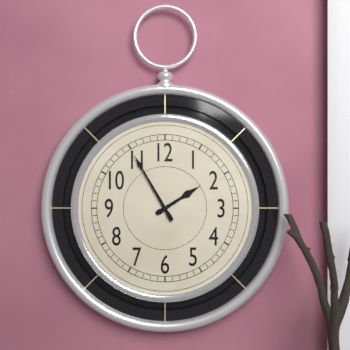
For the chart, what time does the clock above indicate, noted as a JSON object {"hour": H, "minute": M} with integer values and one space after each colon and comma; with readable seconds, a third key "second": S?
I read {"hour": 1, "minute": 55}
